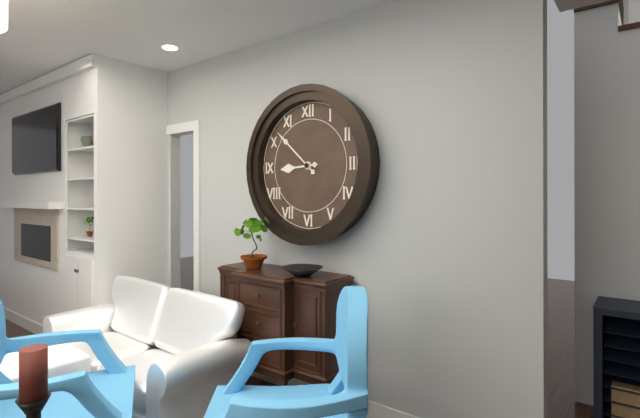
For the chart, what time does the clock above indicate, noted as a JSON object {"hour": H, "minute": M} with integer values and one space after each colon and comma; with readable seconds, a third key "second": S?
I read {"hour": 8, "minute": 52}
